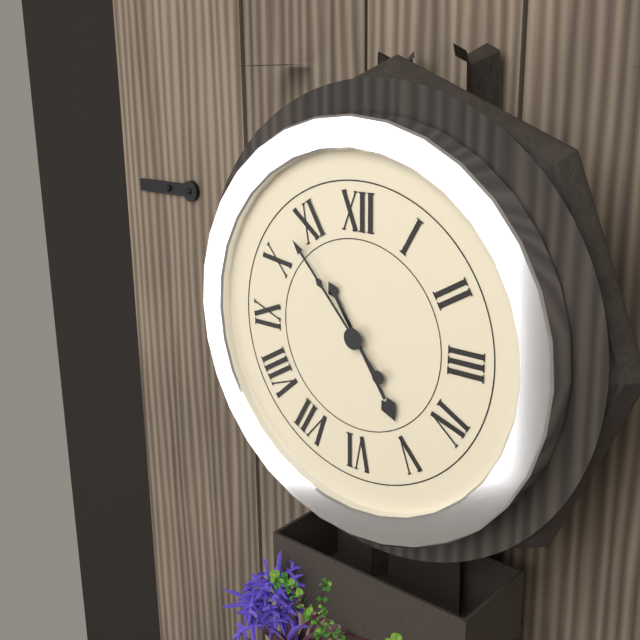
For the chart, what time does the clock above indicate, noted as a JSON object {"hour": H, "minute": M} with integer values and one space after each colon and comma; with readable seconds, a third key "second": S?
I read {"hour": 4, "minute": 53}
